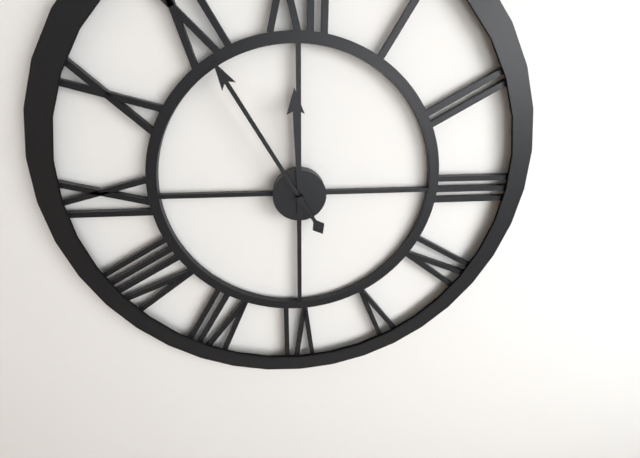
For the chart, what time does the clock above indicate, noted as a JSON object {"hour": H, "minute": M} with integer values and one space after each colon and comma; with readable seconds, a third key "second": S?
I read {"hour": 11, "minute": 55}
